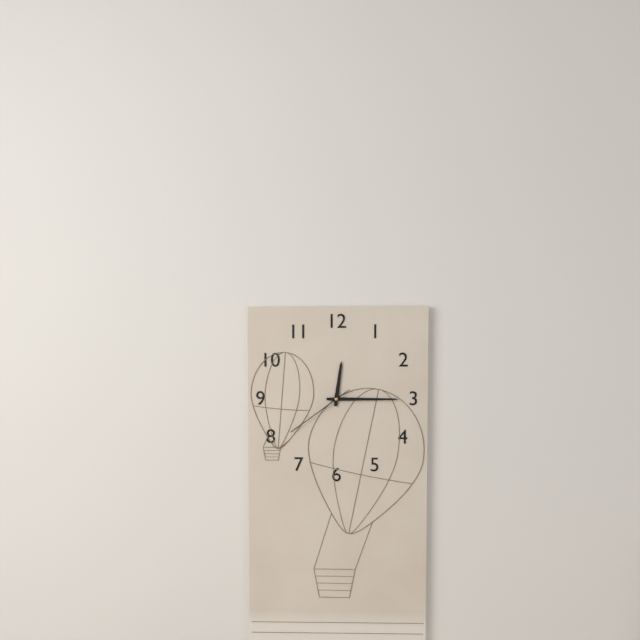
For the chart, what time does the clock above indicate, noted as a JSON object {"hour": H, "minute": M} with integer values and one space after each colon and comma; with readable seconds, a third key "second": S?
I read {"hour": 12, "minute": 15, "second": 39}
